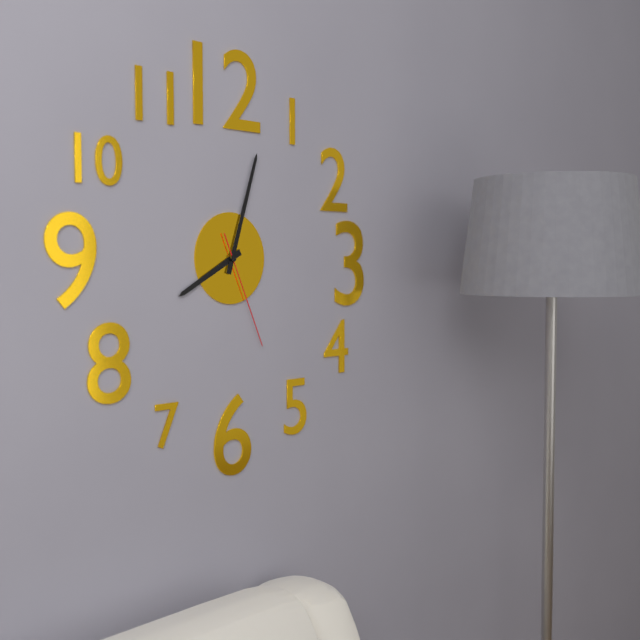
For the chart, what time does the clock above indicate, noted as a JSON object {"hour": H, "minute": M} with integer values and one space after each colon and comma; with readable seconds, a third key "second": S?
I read {"hour": 8, "minute": 3, "second": 26}
